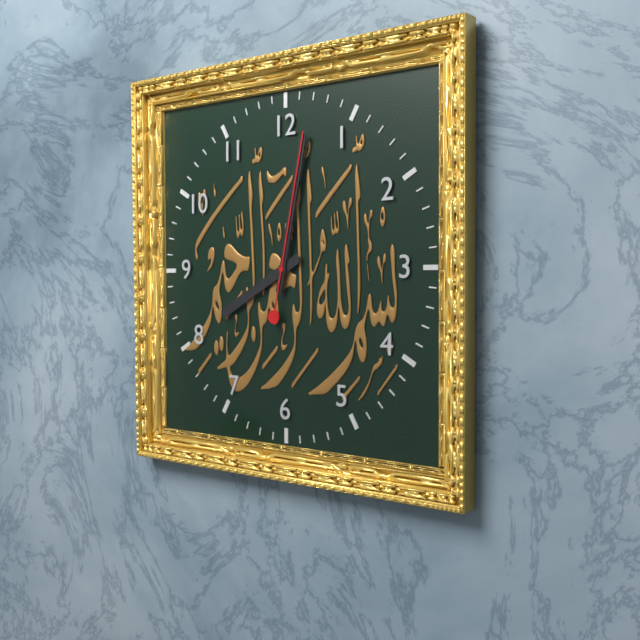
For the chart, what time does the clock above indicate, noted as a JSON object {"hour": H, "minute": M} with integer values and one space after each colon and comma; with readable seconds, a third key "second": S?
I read {"hour": 8, "minute": 2, "second": 2}
